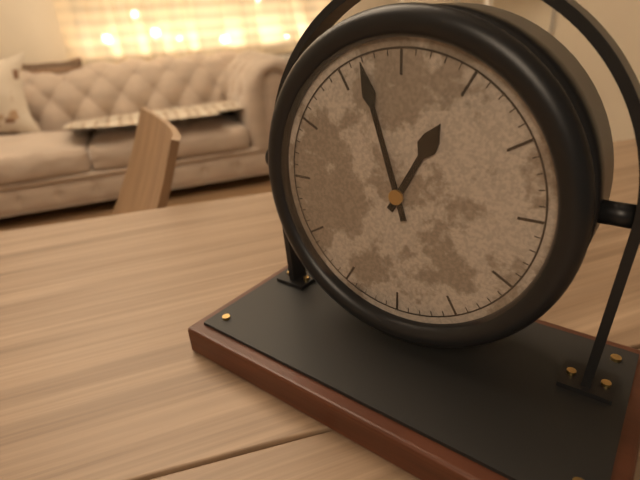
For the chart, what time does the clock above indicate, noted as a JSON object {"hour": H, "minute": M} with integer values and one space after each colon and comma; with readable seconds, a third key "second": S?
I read {"hour": 12, "minute": 57}
